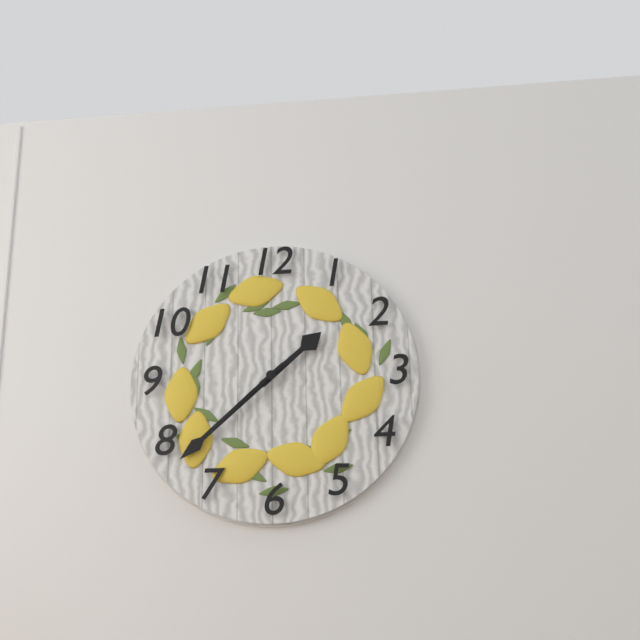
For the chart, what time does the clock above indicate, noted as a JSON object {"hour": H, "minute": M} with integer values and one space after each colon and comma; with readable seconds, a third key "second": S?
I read {"hour": 1, "minute": 38, "second": 38}
